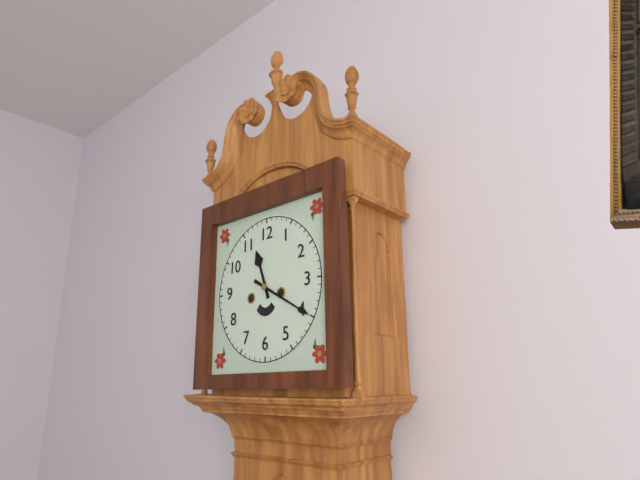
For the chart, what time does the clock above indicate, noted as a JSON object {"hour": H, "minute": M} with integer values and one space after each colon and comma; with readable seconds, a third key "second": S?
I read {"hour": 11, "minute": 20}
